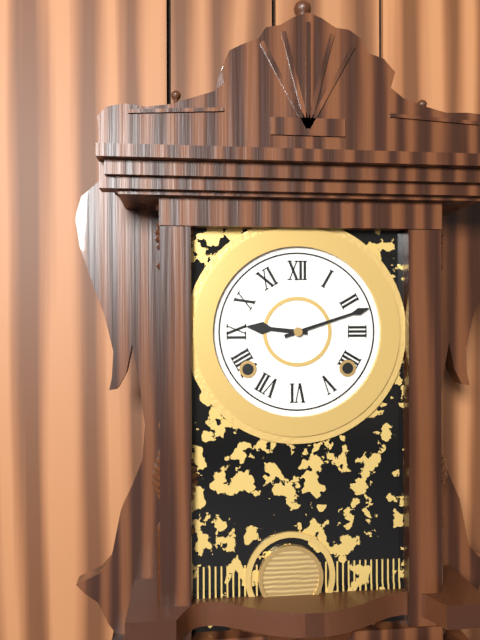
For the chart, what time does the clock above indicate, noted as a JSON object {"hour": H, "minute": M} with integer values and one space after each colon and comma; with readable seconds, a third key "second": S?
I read {"hour": 9, "minute": 12}
